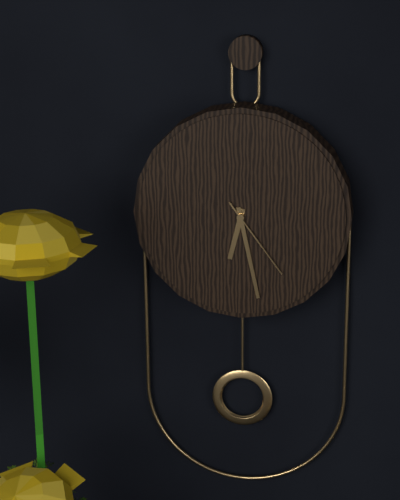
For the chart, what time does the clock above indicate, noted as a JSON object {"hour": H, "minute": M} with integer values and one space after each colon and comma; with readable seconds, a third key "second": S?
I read {"hour": 6, "minute": 28, "second": 24}
